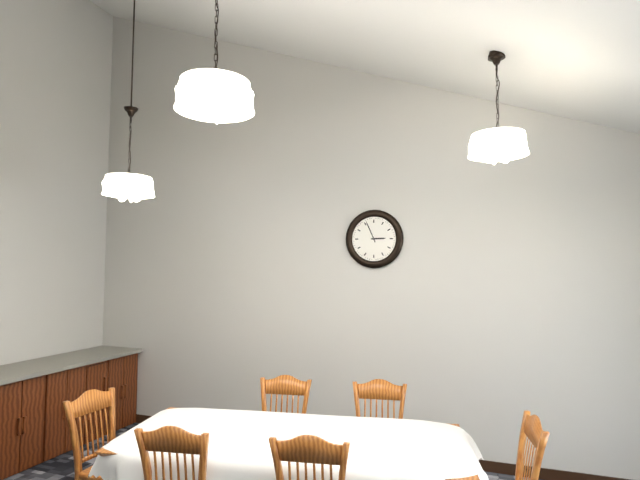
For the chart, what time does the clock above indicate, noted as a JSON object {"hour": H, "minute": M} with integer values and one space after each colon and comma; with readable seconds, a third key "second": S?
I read {"hour": 2, "minute": 56}
